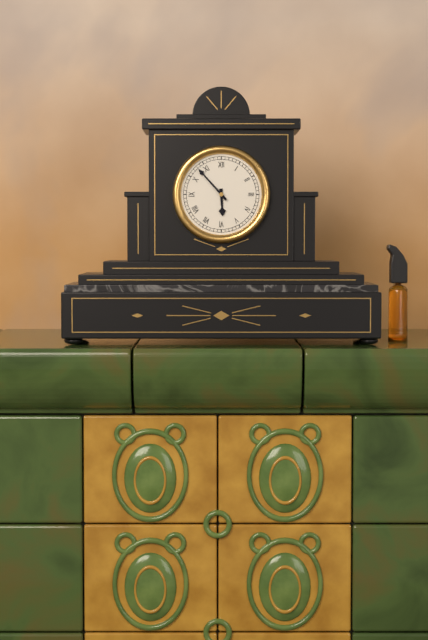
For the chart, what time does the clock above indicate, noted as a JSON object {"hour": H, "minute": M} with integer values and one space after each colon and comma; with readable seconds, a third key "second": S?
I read {"hour": 5, "minute": 53}
